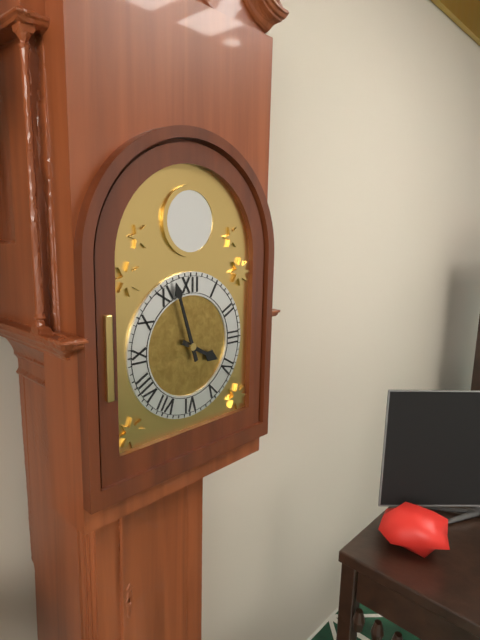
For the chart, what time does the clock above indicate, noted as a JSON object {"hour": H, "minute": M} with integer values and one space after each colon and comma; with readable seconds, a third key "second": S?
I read {"hour": 3, "minute": 57}
